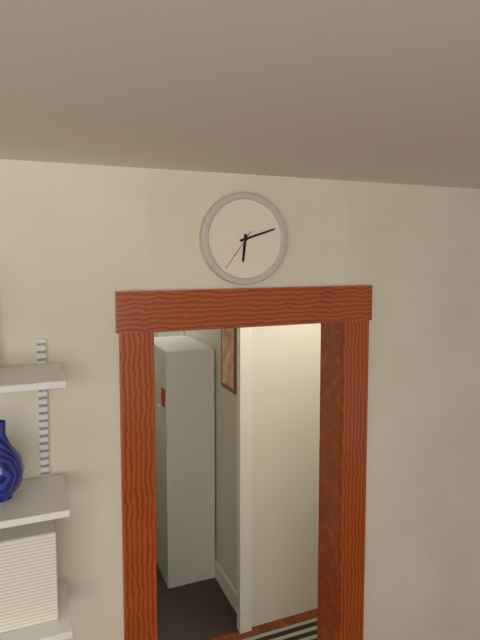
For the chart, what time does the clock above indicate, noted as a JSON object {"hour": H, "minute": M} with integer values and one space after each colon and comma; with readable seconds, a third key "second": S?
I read {"hour": 6, "minute": 12}
